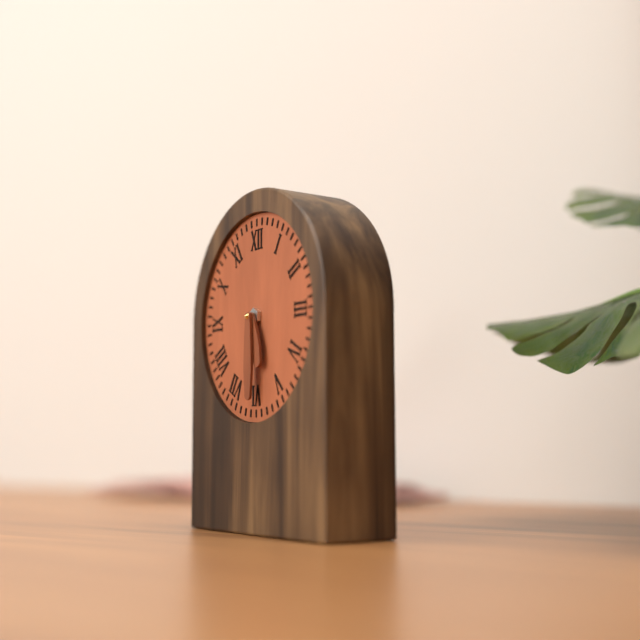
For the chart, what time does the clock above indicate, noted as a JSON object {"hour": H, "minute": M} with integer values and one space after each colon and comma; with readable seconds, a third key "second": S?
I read {"hour": 5, "minute": 30}
